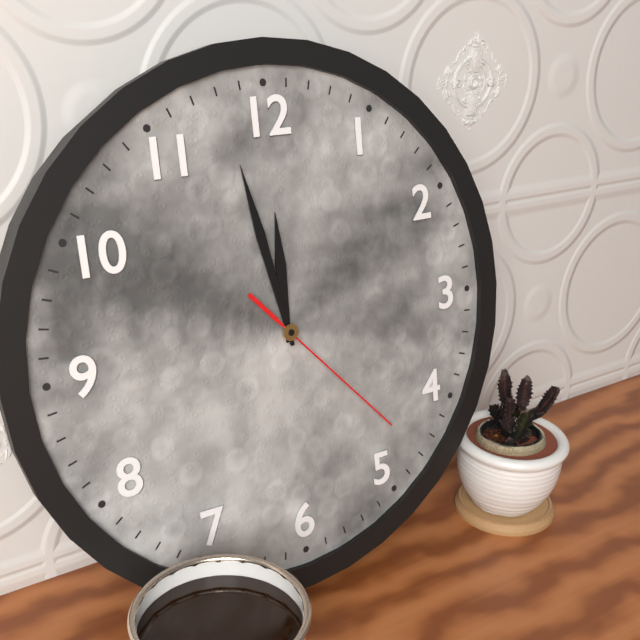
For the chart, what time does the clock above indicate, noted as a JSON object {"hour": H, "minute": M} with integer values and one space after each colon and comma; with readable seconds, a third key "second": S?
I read {"hour": 11, "minute": 58, "second": 23}
